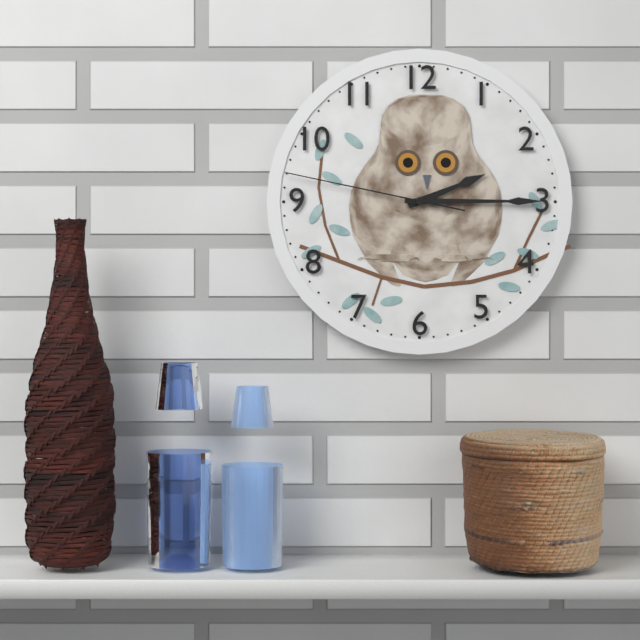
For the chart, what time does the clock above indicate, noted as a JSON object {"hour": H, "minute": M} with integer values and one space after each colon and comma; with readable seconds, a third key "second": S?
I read {"hour": 2, "minute": 15, "second": 47}
